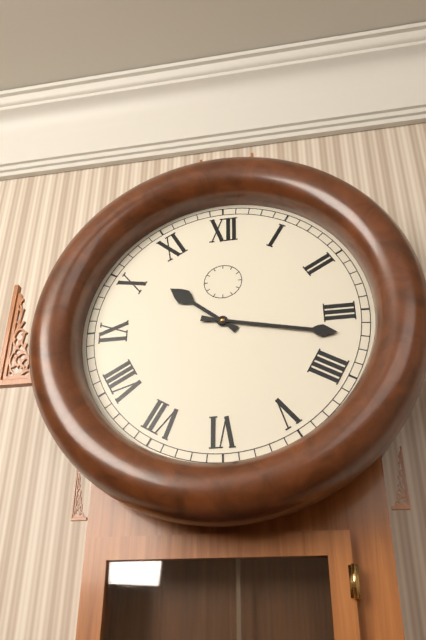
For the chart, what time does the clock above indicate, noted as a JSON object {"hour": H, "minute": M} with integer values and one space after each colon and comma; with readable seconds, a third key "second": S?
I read {"hour": 10, "minute": 17}
